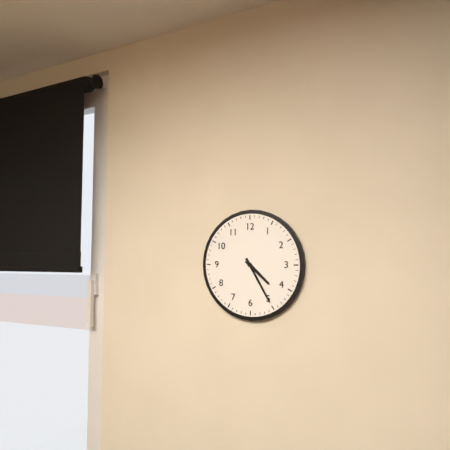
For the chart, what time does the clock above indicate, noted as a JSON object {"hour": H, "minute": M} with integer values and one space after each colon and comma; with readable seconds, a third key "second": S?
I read {"hour": 4, "minute": 25}
